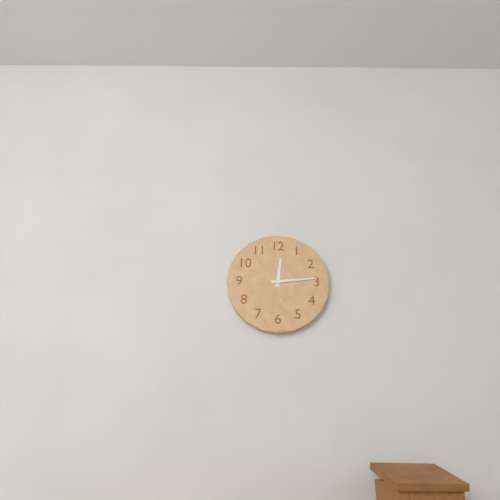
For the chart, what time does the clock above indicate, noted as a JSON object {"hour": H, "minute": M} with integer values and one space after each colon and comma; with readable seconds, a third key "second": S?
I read {"hour": 12, "minute": 14}
